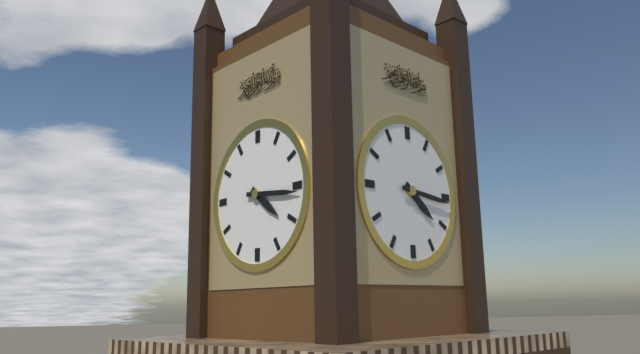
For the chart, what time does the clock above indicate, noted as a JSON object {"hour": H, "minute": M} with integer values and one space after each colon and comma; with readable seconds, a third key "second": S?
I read {"hour": 4, "minute": 16}
